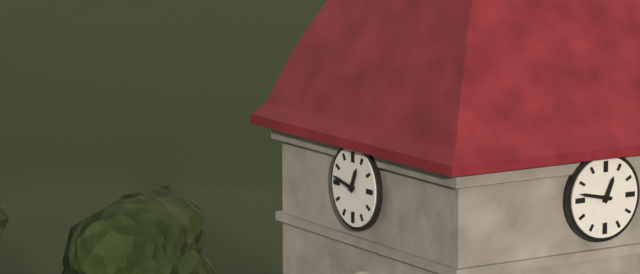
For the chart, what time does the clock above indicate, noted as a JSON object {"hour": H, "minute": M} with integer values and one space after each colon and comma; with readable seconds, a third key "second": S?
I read {"hour": 12, "minute": 47}
